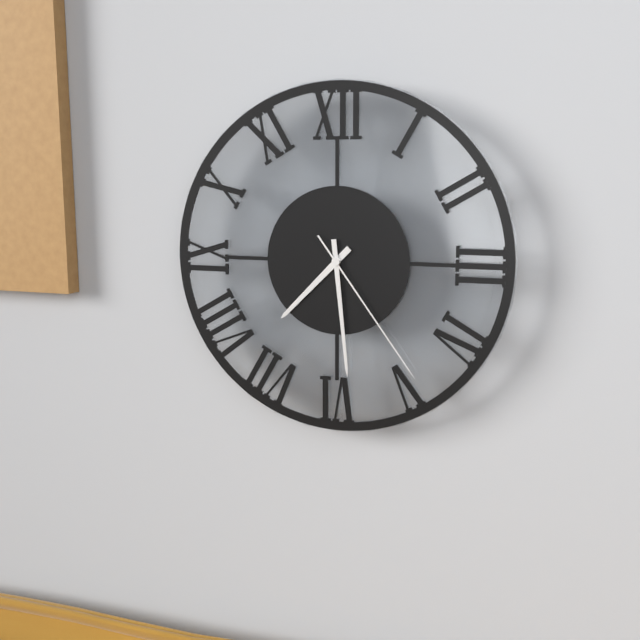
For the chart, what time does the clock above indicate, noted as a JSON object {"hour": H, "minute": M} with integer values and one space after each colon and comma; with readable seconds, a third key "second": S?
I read {"hour": 7, "minute": 29, "second": 24}
